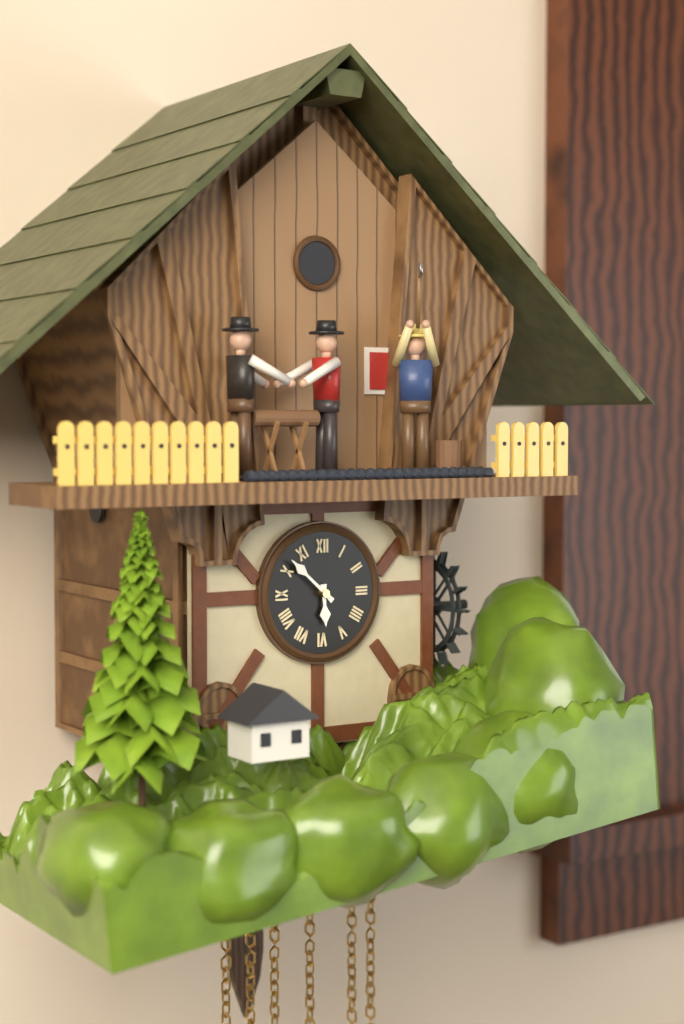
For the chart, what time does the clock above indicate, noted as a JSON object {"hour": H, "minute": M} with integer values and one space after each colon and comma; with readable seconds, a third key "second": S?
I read {"hour": 5, "minute": 52}
